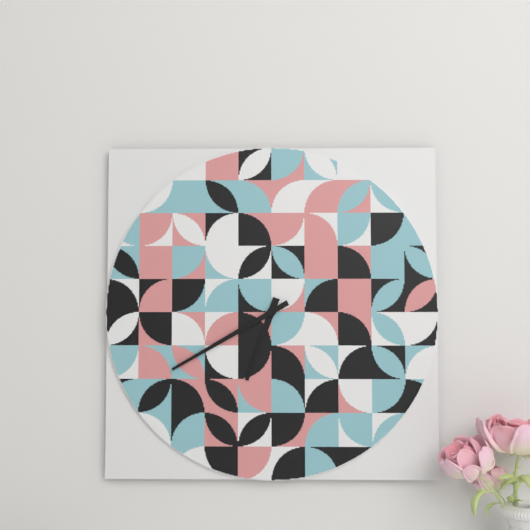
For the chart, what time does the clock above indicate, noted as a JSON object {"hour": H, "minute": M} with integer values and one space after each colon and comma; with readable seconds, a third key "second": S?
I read {"hour": 6, "minute": 40}
